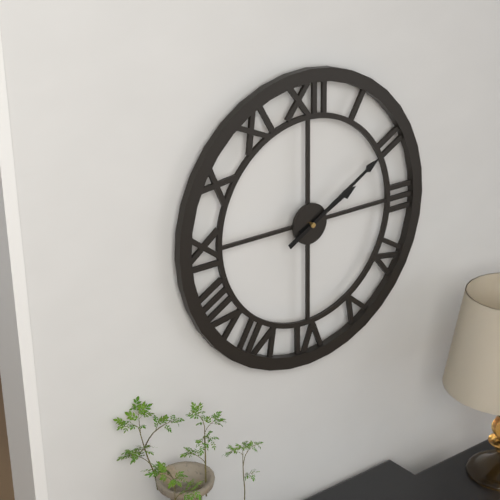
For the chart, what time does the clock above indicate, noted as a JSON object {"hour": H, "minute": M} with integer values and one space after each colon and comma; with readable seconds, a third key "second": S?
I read {"hour": 2, "minute": 10}
